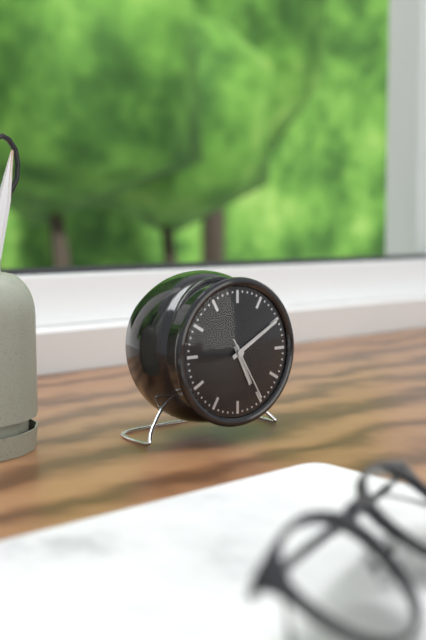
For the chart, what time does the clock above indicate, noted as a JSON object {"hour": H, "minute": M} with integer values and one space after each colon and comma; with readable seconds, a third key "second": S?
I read {"hour": 5, "minute": 10, "second": 25}
